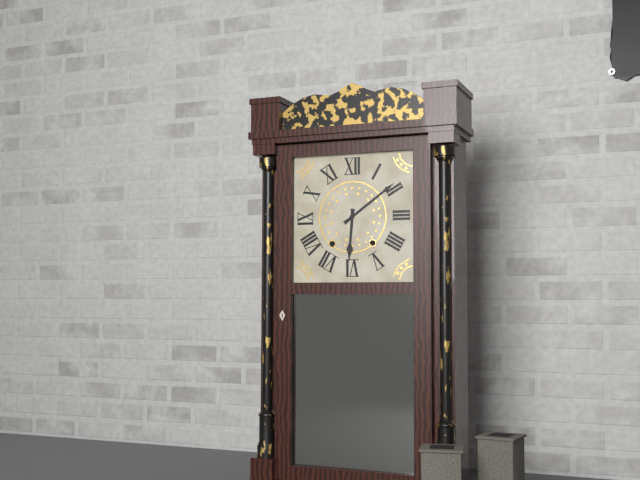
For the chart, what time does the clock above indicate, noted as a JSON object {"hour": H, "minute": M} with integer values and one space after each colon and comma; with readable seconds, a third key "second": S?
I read {"hour": 6, "minute": 9}
